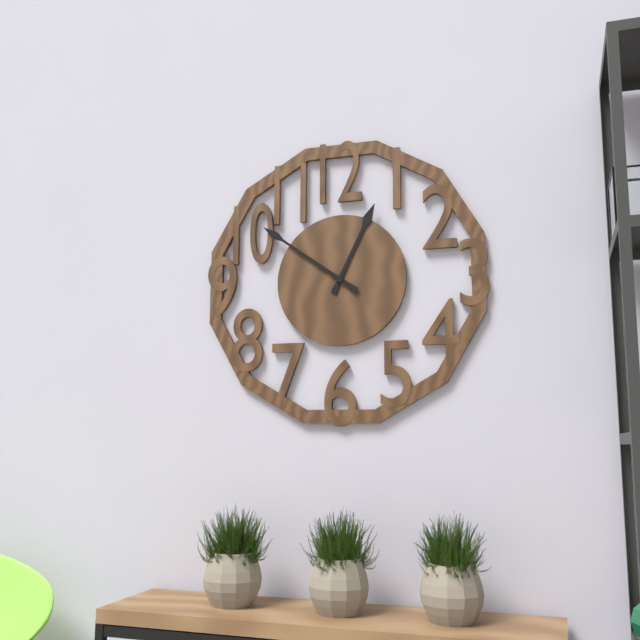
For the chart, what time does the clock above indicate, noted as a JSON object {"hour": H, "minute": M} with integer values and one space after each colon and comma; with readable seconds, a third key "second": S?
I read {"hour": 12, "minute": 51}
